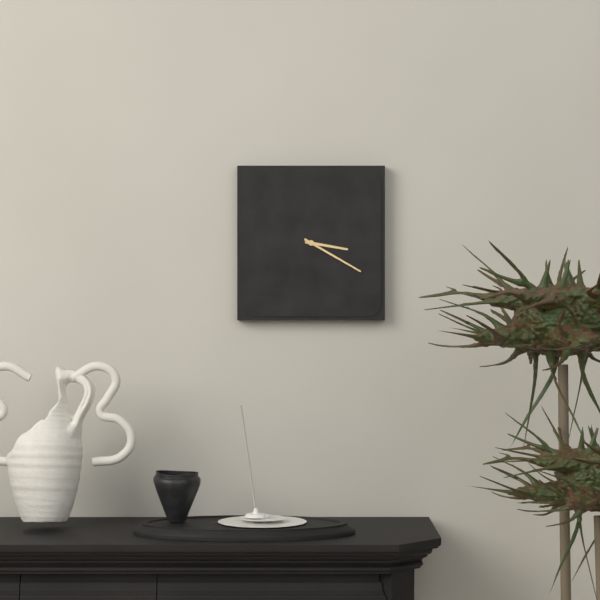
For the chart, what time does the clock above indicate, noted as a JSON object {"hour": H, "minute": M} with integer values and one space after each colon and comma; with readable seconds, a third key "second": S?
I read {"hour": 3, "minute": 20}
